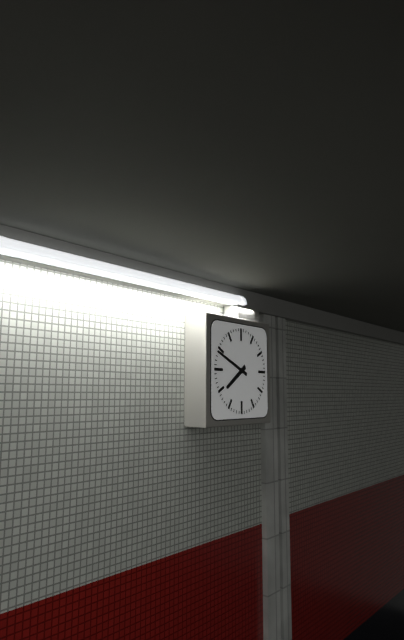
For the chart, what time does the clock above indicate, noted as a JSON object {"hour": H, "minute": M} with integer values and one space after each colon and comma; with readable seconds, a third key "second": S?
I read {"hour": 7, "minute": 49}
